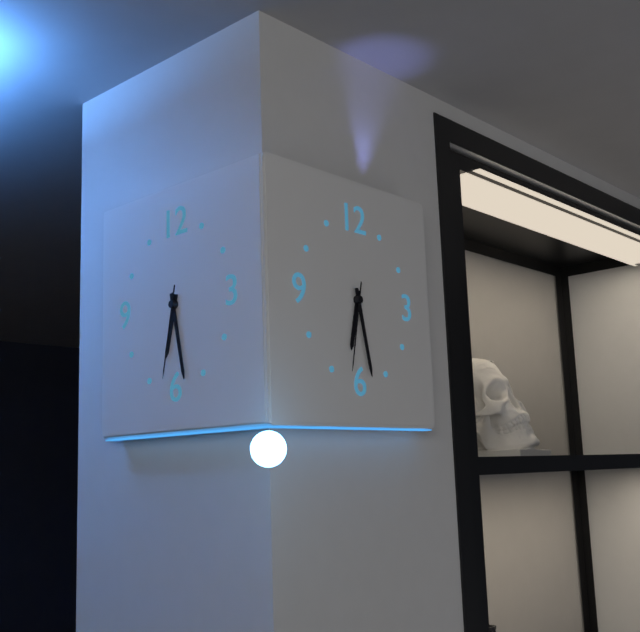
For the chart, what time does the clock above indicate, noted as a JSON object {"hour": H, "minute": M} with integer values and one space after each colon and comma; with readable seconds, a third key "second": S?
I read {"hour": 6, "minute": 28, "second": 32}
